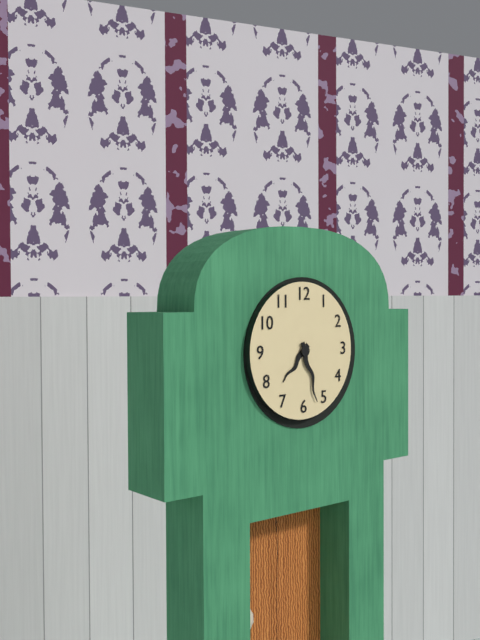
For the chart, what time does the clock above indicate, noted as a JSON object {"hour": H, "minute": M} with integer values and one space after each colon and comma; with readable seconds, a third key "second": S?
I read {"hour": 7, "minute": 27}
